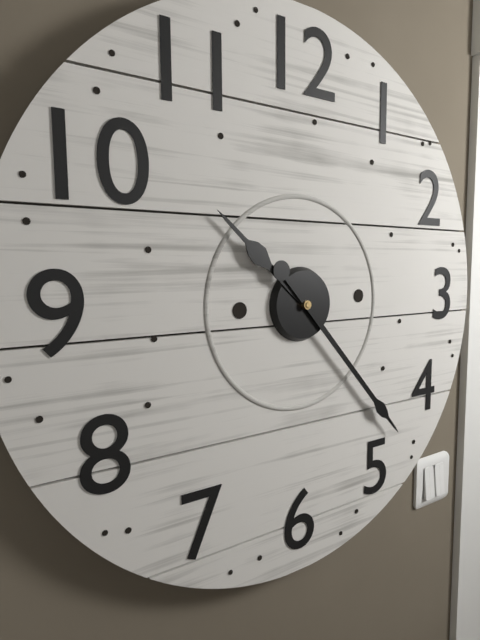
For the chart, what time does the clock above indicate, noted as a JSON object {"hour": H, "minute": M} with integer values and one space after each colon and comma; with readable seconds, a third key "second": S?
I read {"hour": 10, "minute": 23}
